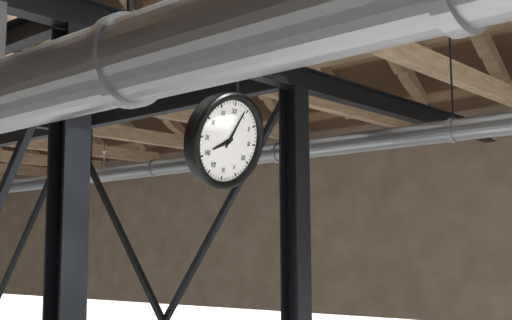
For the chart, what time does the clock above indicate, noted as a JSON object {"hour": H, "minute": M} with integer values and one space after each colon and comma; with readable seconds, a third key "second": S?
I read {"hour": 8, "minute": 4}
